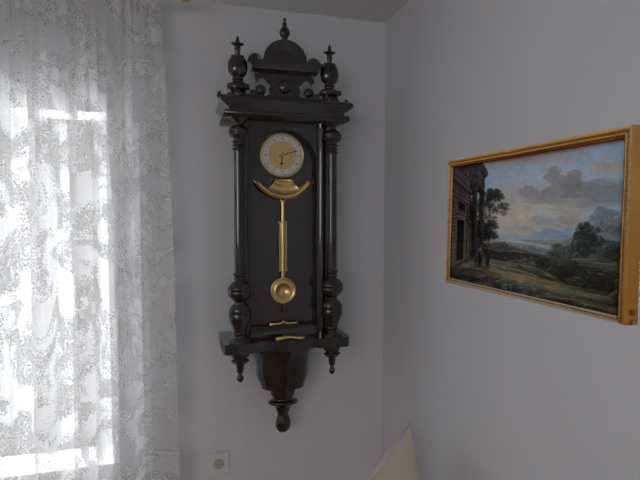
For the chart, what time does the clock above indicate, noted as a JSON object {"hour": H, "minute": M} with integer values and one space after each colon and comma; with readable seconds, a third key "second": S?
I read {"hour": 6, "minute": 12}
